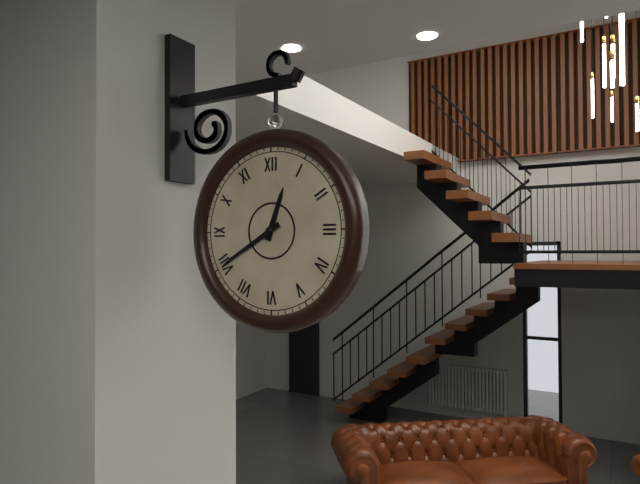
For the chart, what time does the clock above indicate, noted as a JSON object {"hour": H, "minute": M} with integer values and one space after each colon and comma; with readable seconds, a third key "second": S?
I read {"hour": 12, "minute": 40}
